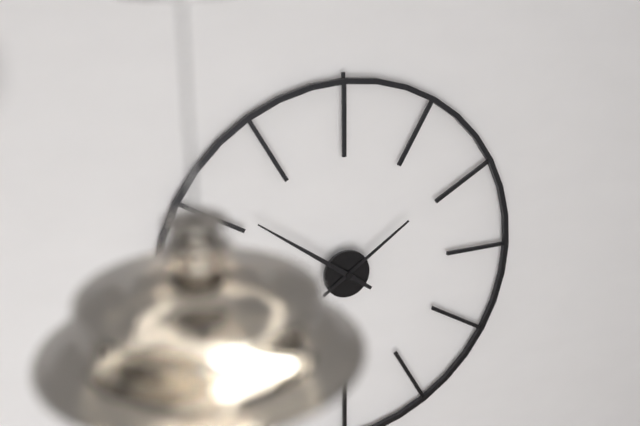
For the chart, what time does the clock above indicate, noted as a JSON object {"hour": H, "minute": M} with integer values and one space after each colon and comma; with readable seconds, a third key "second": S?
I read {"hour": 1, "minute": 51}
